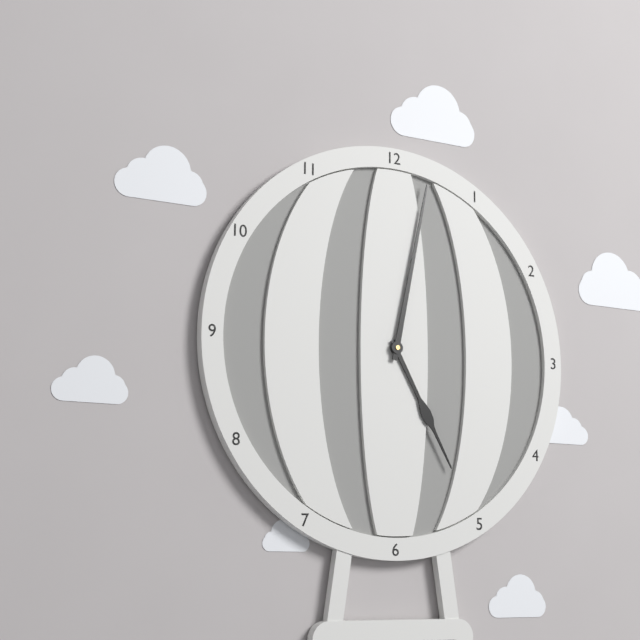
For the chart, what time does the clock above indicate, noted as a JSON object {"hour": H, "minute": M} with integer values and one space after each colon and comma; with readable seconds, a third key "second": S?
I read {"hour": 5, "minute": 2}
